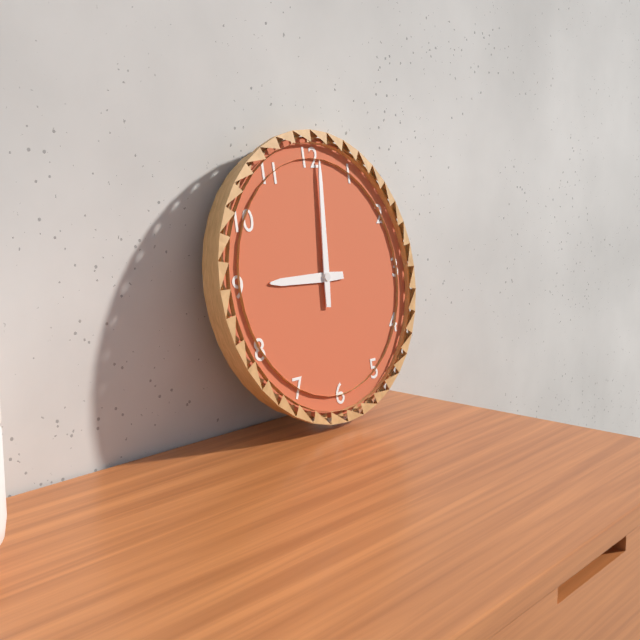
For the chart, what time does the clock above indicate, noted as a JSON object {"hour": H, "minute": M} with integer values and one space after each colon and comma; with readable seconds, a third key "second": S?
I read {"hour": 9, "minute": 1}
